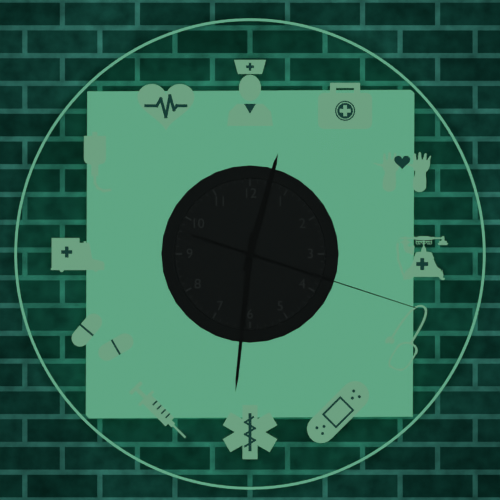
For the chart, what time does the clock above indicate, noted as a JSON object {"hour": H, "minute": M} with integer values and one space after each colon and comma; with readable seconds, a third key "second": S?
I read {"hour": 12, "minute": 31, "second": 18}
